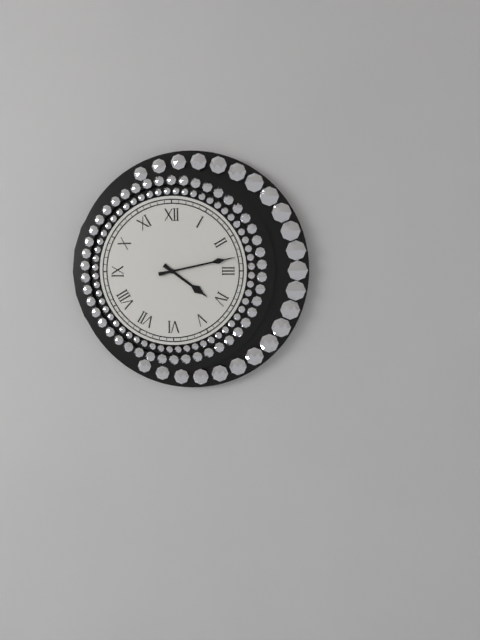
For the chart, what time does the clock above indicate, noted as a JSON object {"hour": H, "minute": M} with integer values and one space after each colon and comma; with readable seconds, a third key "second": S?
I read {"hour": 4, "minute": 13}
